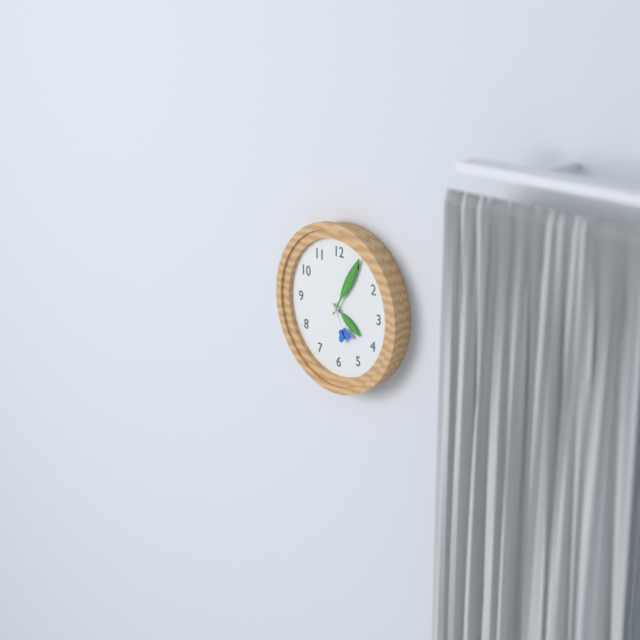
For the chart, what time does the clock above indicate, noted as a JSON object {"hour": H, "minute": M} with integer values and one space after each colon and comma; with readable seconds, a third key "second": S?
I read {"hour": 4, "minute": 5}
